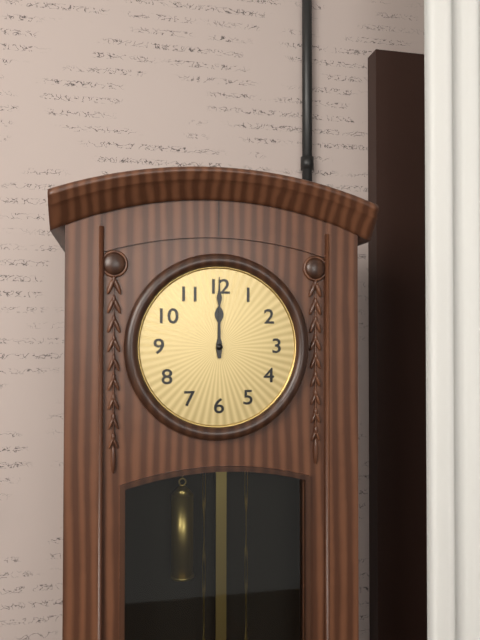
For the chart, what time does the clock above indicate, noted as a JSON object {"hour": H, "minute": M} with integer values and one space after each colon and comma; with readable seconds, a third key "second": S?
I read {"hour": 12, "minute": 0}
